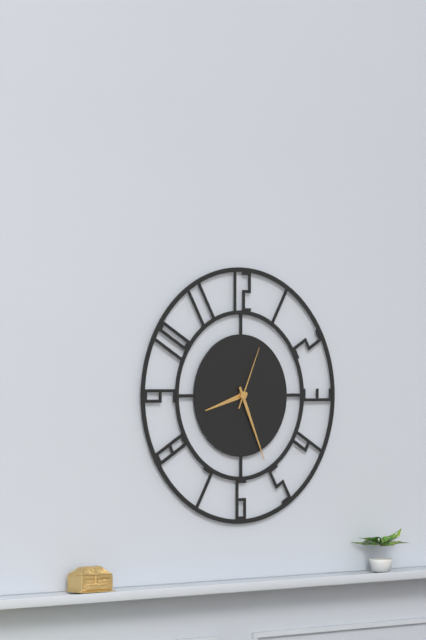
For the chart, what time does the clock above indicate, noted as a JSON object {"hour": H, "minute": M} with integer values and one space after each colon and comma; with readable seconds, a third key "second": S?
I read {"hour": 8, "minute": 26, "second": 4}
